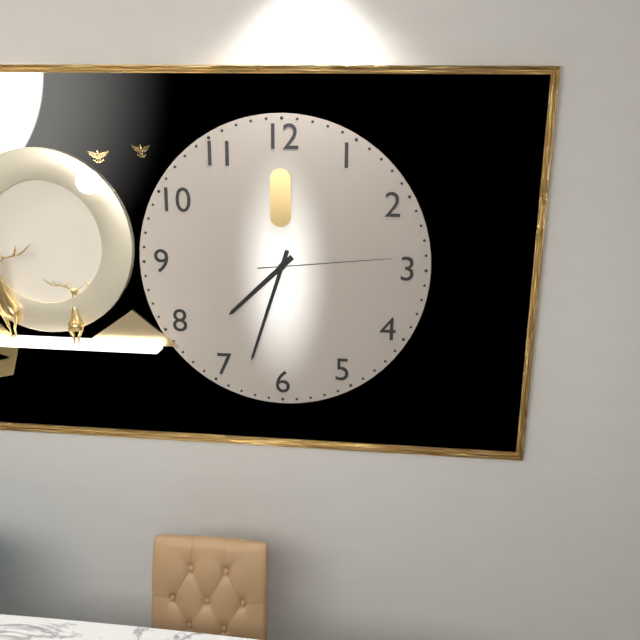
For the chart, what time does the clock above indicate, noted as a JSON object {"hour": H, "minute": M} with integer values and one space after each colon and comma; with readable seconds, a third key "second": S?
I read {"hour": 7, "minute": 33, "second": 14}
